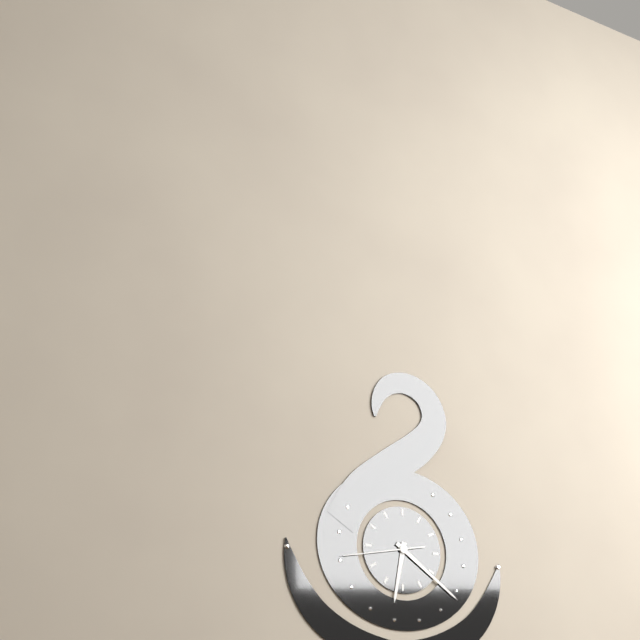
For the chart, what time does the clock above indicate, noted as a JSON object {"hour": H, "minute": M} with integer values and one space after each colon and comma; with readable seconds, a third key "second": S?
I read {"hour": 6, "minute": 21, "second": 43}
